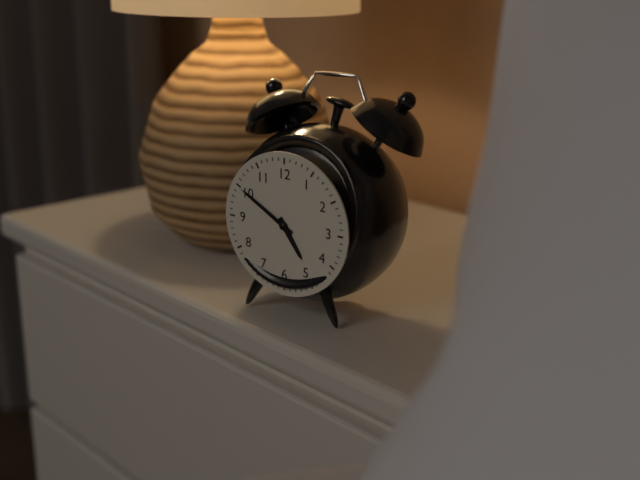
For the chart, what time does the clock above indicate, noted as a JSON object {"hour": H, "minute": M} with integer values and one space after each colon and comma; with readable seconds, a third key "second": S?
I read {"hour": 4, "minute": 50}
